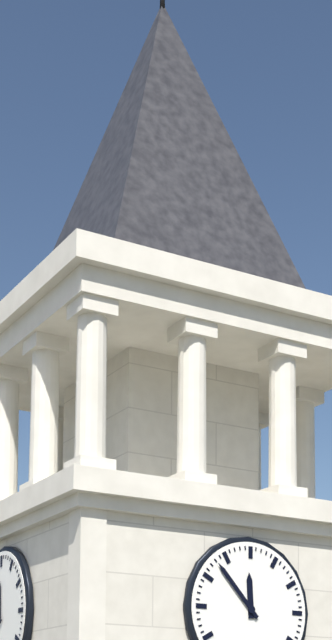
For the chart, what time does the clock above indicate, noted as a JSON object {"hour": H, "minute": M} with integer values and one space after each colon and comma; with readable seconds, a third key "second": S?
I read {"hour": 11, "minute": 53}
